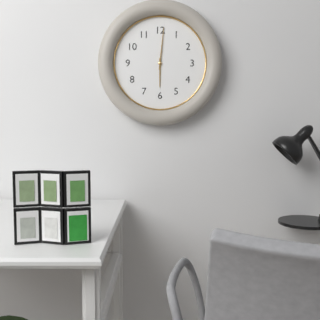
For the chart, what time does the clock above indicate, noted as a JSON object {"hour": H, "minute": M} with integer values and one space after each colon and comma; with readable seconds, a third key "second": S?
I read {"hour": 6, "minute": 1}
